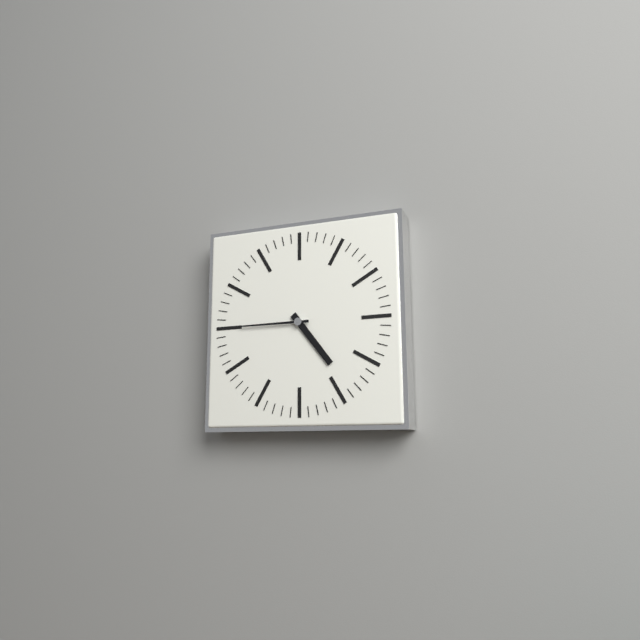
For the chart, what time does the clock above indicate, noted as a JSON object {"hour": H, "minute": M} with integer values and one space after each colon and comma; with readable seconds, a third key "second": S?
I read {"hour": 4, "minute": 45}
